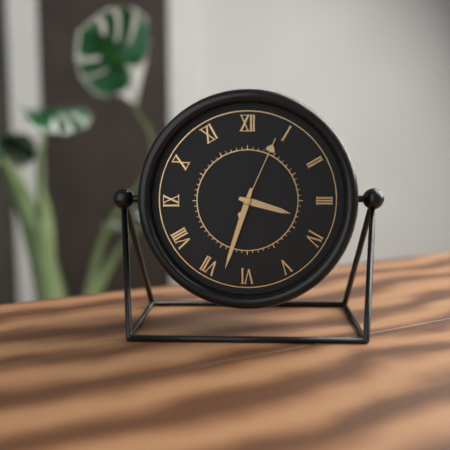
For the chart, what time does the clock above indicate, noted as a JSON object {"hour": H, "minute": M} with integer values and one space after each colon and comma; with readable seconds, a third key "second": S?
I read {"hour": 3, "minute": 33, "second": 4}
